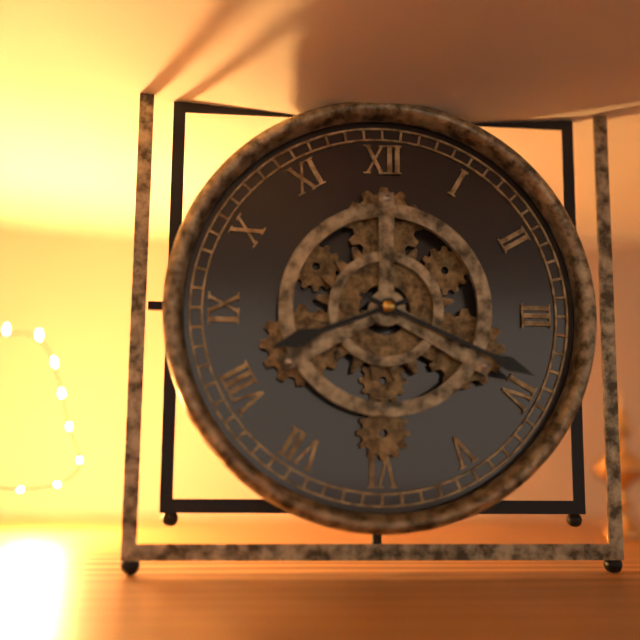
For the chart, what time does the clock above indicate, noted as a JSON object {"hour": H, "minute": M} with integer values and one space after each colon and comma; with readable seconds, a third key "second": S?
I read {"hour": 8, "minute": 19}
